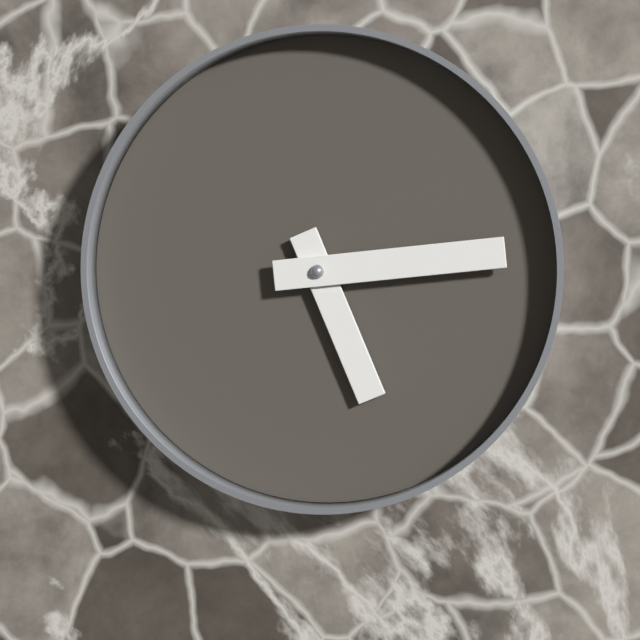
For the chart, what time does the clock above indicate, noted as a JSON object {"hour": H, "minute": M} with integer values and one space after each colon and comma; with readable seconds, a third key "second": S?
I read {"hour": 5, "minute": 14}
